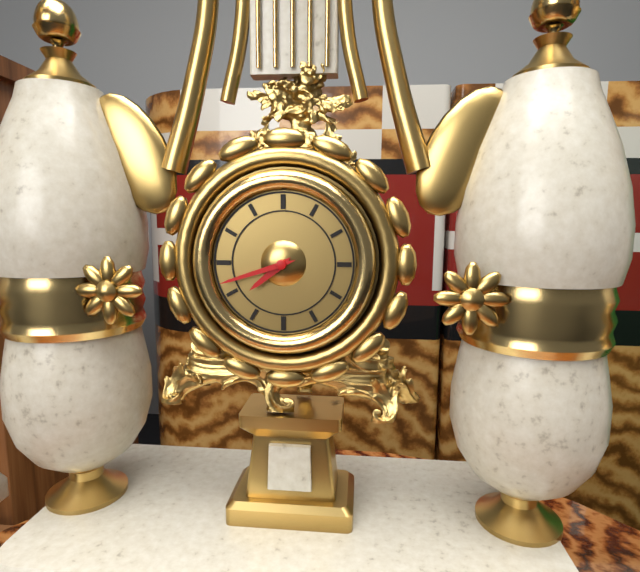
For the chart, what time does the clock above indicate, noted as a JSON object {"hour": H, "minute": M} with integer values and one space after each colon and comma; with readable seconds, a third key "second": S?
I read {"hour": 7, "minute": 42}
